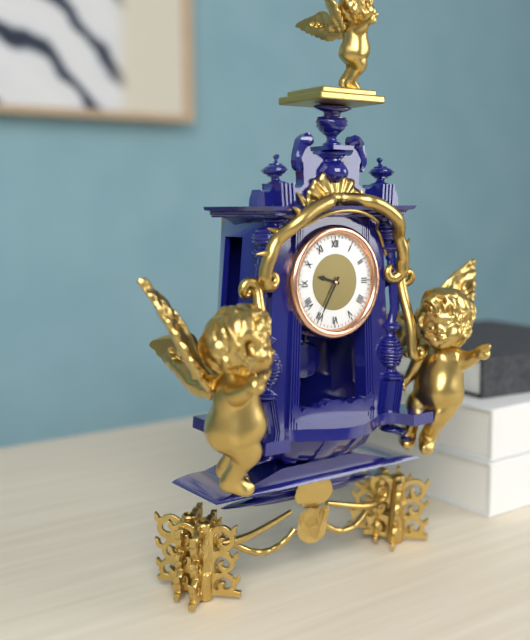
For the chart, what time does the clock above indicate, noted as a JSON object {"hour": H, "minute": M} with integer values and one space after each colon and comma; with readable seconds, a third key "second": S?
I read {"hour": 9, "minute": 35}
